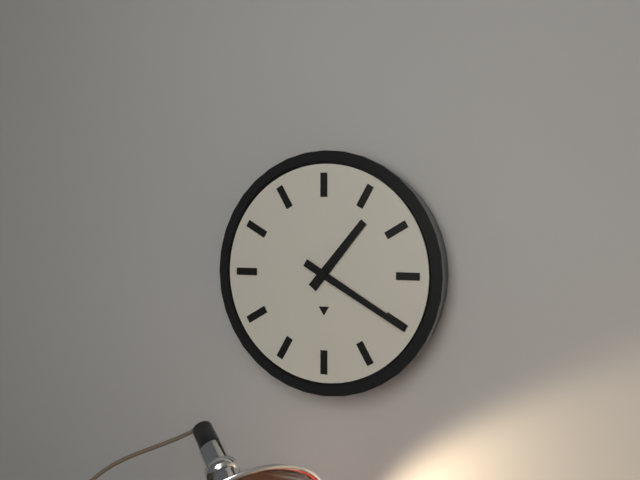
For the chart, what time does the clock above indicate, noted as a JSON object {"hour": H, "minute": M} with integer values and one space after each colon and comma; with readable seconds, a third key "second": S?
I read {"hour": 1, "minute": 20}
